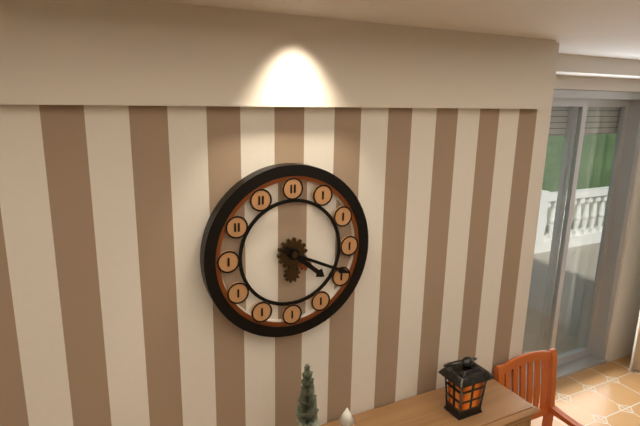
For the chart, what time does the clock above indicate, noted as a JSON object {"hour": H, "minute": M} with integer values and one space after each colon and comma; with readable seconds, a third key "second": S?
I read {"hour": 4, "minute": 19}
